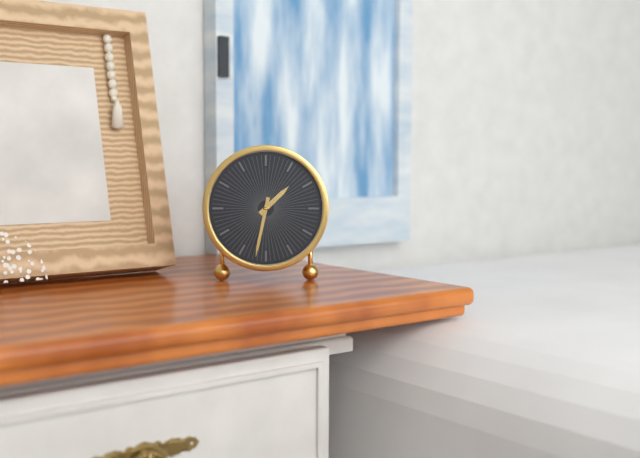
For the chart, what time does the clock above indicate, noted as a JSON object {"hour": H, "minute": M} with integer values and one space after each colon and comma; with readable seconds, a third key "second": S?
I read {"hour": 1, "minute": 32}
